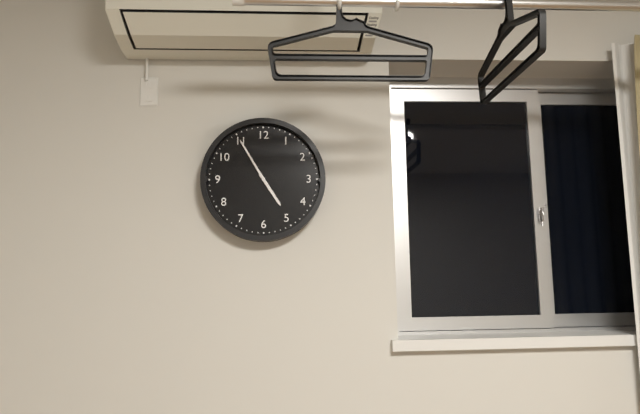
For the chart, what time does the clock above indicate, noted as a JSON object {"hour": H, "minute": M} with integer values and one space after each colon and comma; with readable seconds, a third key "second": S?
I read {"hour": 4, "minute": 55}
